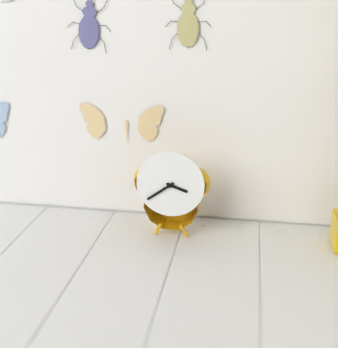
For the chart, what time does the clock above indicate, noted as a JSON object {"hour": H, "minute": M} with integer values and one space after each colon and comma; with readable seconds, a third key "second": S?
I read {"hour": 3, "minute": 39}
